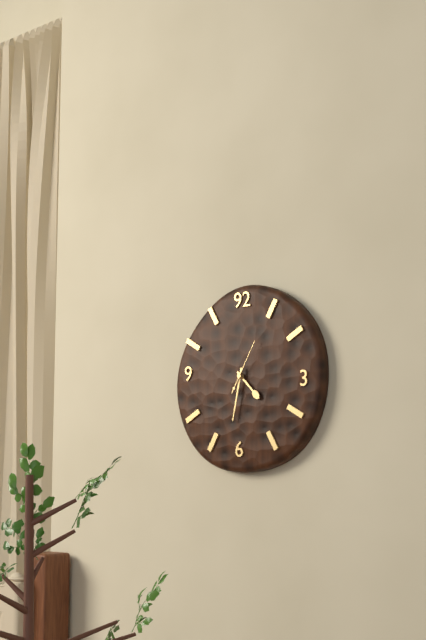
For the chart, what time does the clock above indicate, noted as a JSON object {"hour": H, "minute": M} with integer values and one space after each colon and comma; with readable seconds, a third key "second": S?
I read {"hour": 4, "minute": 32}
